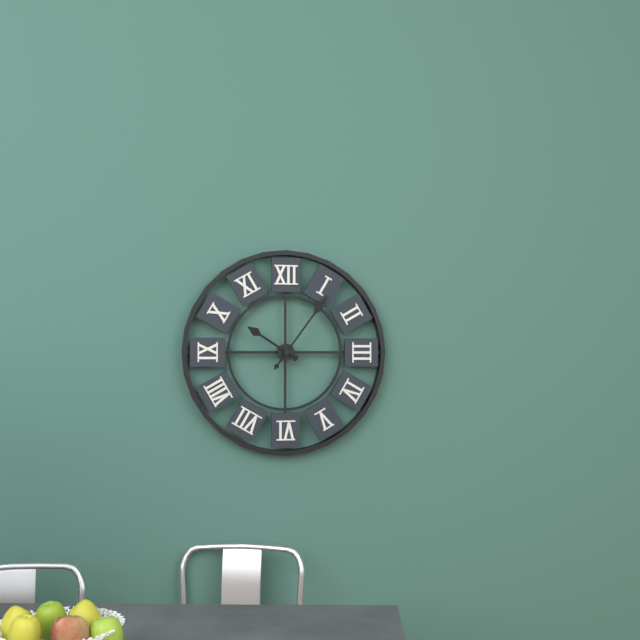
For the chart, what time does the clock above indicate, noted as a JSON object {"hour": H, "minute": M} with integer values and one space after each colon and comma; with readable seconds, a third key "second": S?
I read {"hour": 10, "minute": 6}
